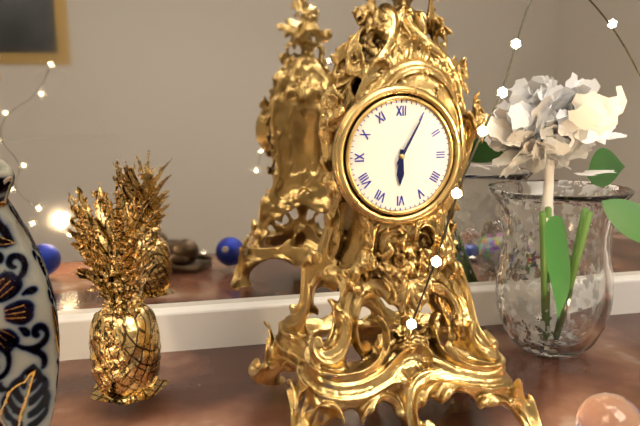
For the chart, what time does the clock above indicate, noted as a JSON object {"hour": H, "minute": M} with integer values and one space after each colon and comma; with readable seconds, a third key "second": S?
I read {"hour": 6, "minute": 5}
